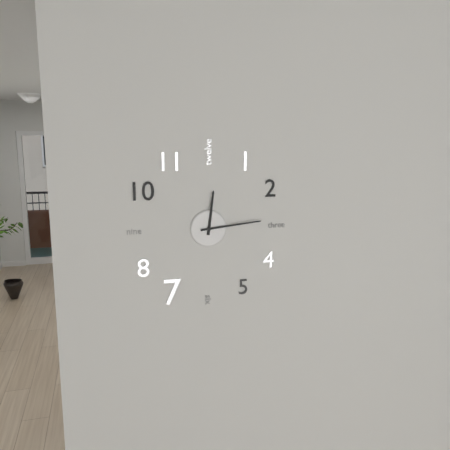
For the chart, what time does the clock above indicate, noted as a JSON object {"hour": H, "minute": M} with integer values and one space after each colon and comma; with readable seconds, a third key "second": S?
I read {"hour": 12, "minute": 14}
